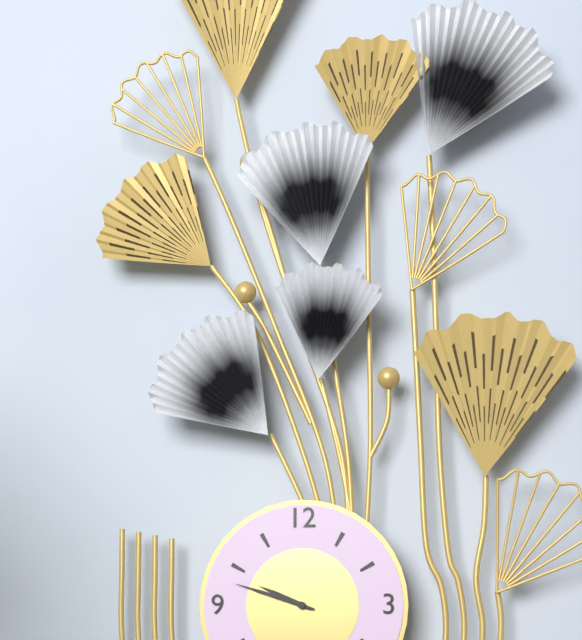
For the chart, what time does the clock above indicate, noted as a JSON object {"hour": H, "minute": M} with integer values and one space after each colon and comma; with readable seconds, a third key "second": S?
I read {"hour": 9, "minute": 48}
